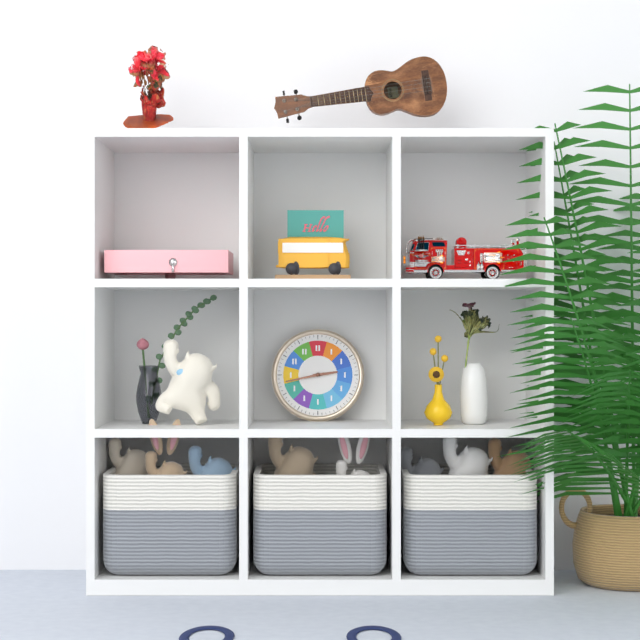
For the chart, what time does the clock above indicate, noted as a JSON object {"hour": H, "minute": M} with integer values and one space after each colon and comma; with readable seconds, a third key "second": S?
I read {"hour": 2, "minute": 43}
